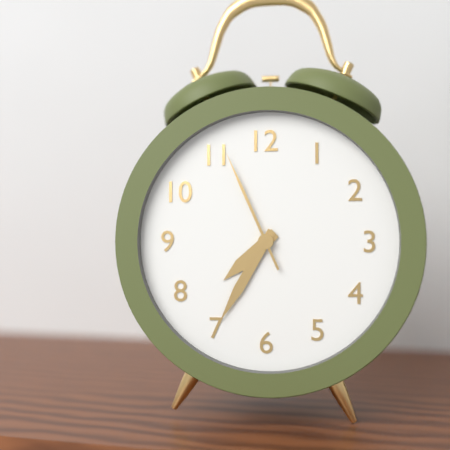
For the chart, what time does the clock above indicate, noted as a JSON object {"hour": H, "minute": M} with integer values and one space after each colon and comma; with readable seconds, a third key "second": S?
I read {"hour": 7, "minute": 35, "second": 56}
